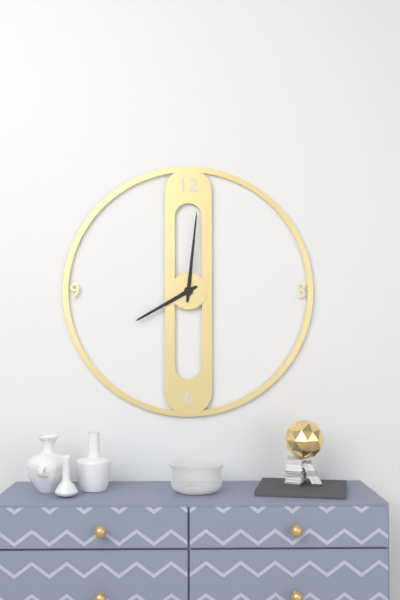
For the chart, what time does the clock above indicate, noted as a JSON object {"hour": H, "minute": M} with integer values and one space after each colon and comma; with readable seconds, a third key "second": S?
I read {"hour": 8, "minute": 1}
